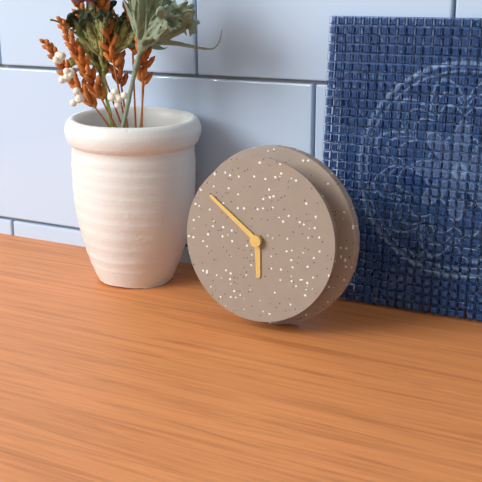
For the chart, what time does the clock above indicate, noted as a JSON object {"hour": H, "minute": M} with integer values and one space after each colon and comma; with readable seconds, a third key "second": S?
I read {"hour": 5, "minute": 51}
